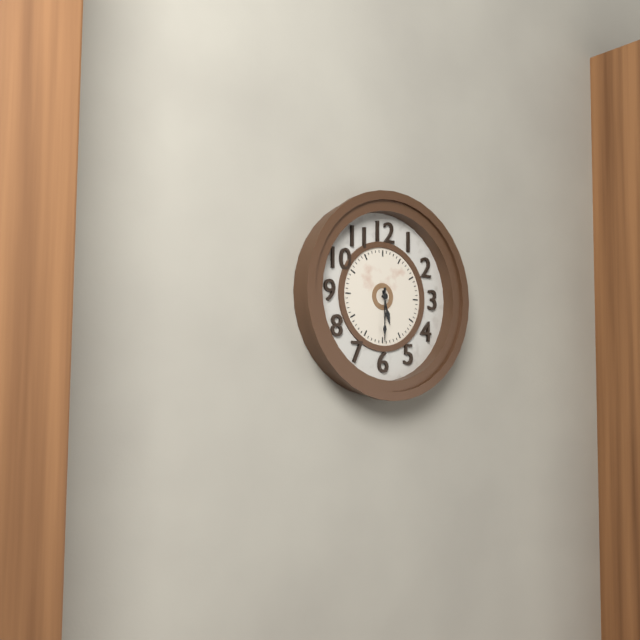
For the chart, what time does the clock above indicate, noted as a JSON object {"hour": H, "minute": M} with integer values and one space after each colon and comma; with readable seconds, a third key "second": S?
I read {"hour": 5, "minute": 30}
